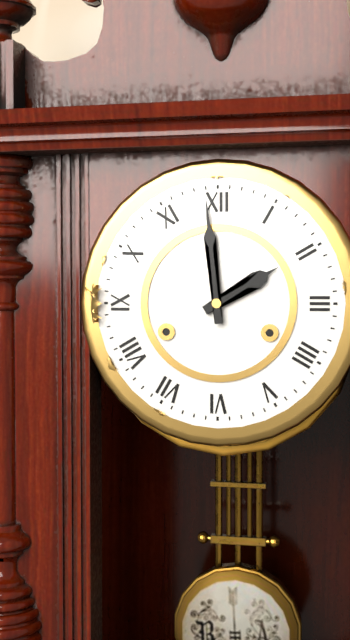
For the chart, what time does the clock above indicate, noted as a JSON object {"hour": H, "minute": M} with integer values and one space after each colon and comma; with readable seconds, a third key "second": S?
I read {"hour": 1, "minute": 59}
